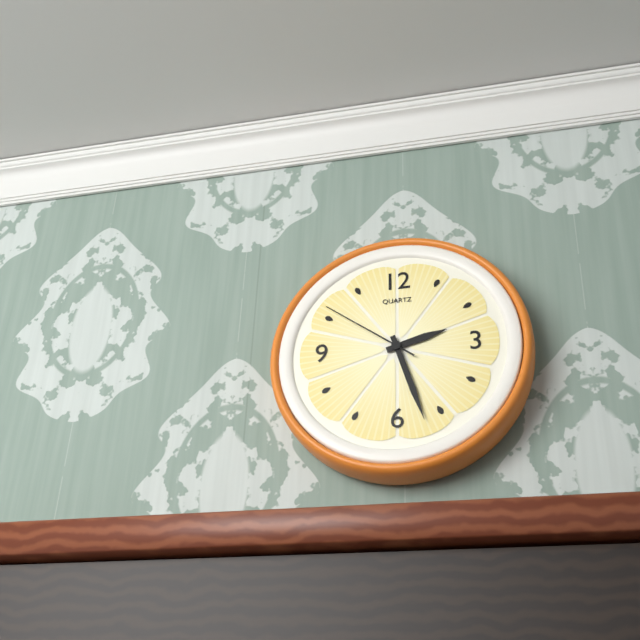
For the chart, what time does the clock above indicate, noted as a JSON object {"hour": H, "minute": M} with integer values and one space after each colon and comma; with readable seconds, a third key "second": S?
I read {"hour": 2, "minute": 27, "second": 51}
